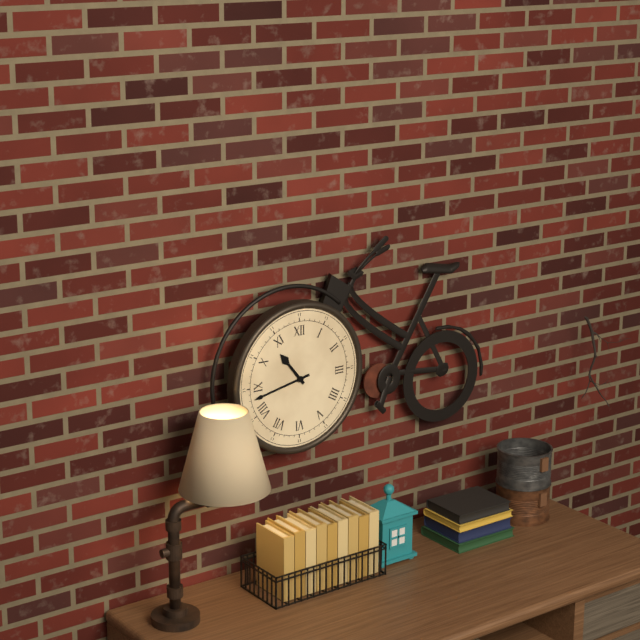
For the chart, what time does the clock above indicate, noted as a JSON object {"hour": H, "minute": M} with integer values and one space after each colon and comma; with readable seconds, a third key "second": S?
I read {"hour": 10, "minute": 43}
